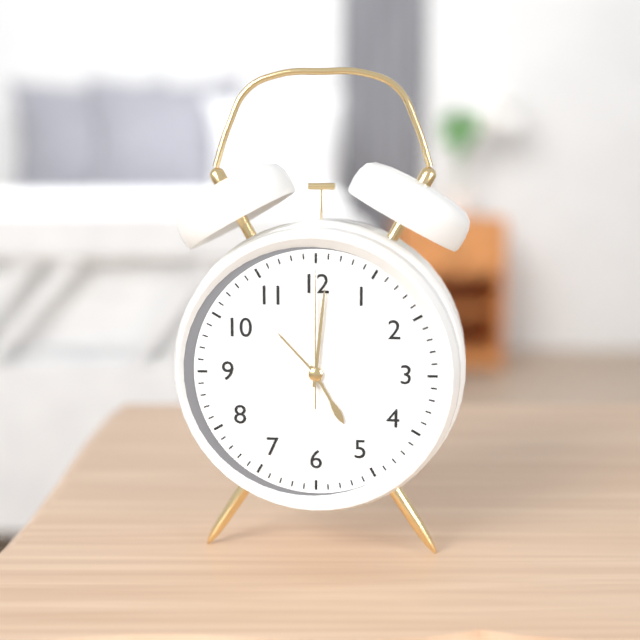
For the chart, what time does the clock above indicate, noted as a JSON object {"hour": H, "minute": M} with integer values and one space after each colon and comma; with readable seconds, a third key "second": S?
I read {"hour": 5, "minute": 1, "second": 0}
